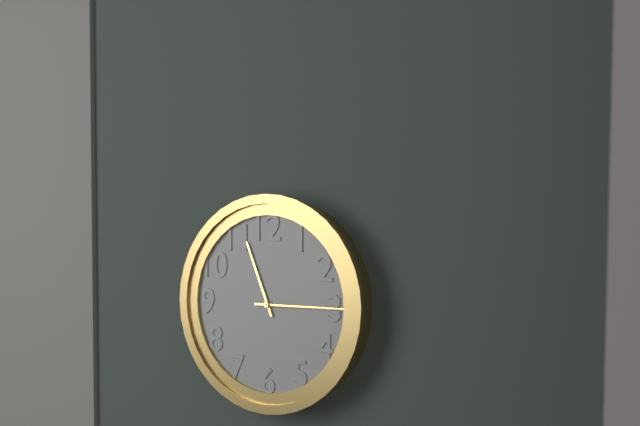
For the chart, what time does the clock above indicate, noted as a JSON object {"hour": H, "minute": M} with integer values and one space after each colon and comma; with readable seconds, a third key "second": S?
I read {"hour": 11, "minute": 15}
